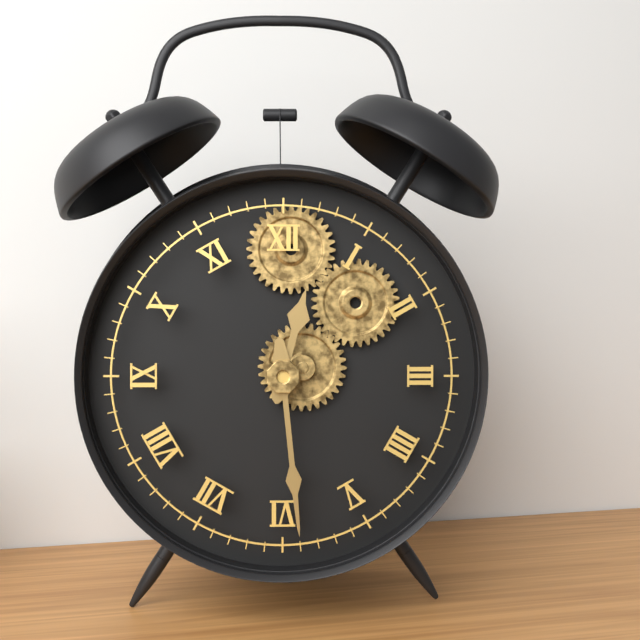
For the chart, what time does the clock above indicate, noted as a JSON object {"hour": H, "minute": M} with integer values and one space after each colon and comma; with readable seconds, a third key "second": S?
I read {"hour": 12, "minute": 29}
